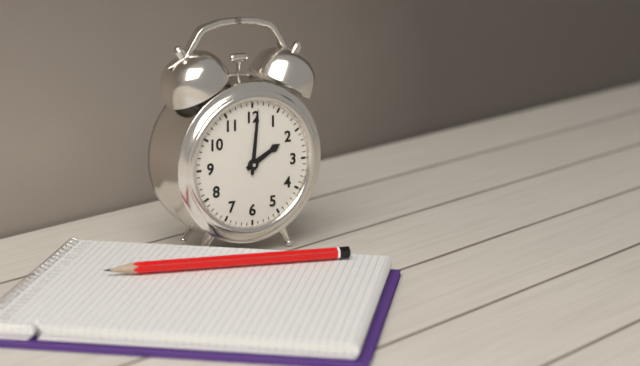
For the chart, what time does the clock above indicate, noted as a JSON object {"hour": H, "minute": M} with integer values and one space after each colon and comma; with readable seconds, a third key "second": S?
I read {"hour": 2, "minute": 1}
